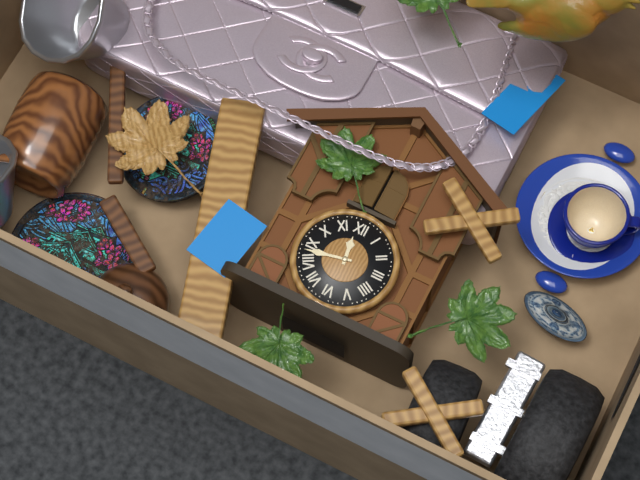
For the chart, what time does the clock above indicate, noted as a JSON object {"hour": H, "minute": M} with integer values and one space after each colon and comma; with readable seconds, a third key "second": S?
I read {"hour": 11, "minute": 43}
